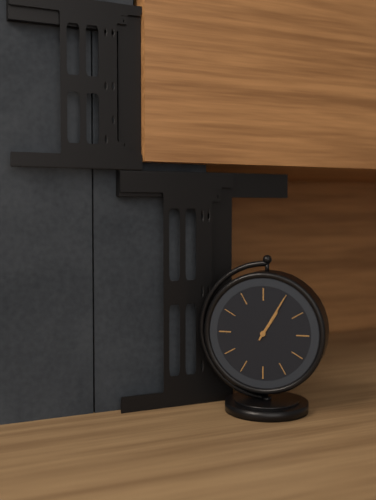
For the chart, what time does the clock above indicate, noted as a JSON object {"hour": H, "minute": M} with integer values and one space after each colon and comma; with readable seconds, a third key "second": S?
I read {"hour": 1, "minute": 5}
